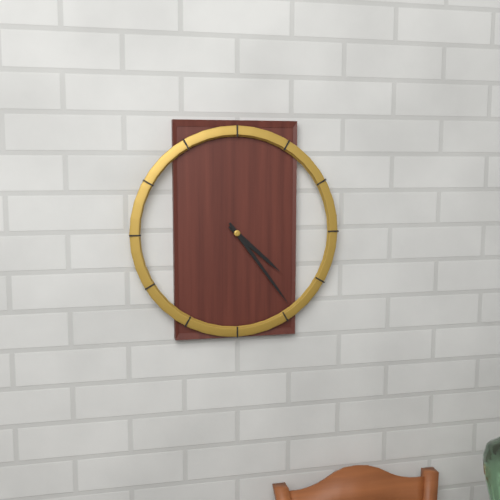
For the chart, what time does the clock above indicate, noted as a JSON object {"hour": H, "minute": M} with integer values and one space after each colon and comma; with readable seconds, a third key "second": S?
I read {"hour": 4, "minute": 24}
